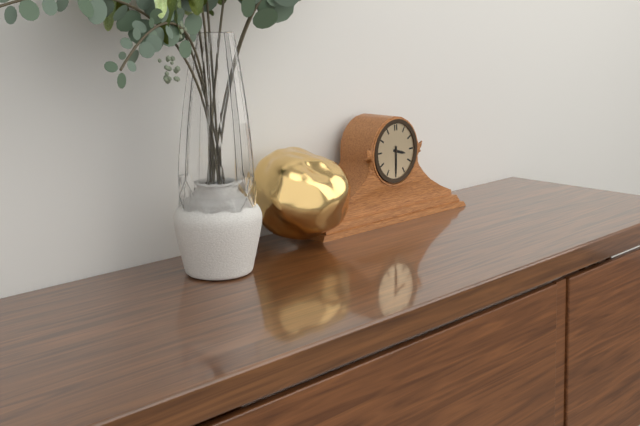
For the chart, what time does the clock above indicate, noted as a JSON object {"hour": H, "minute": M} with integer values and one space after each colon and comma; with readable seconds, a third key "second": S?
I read {"hour": 3, "minute": 30}
